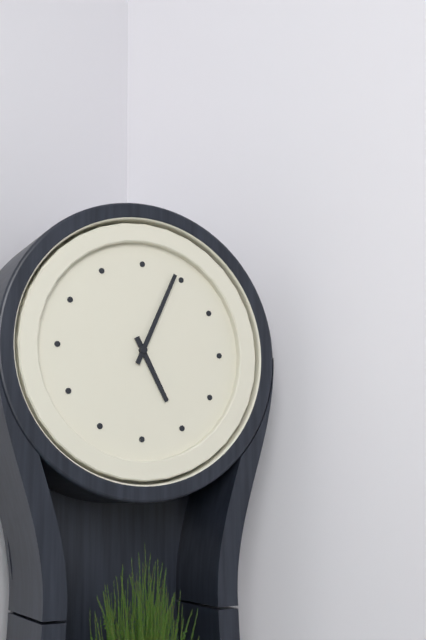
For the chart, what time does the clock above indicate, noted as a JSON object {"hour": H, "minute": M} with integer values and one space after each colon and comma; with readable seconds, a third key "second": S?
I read {"hour": 5, "minute": 4}
